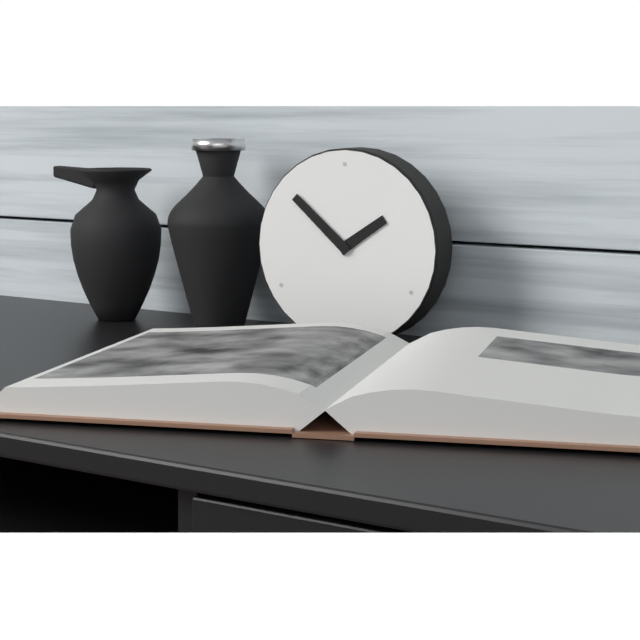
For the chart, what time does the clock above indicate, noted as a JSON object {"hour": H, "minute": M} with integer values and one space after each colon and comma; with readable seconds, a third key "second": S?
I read {"hour": 1, "minute": 52}
